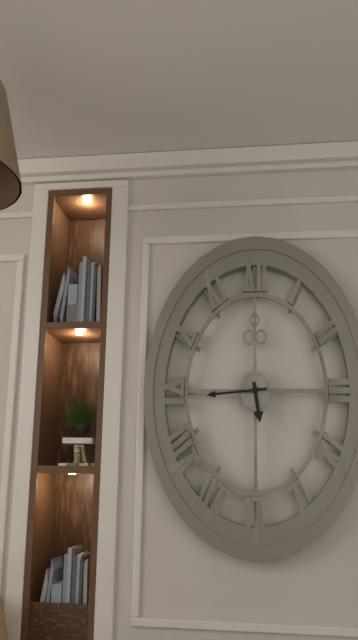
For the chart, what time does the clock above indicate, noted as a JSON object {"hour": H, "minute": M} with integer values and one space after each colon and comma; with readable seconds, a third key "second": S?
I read {"hour": 5, "minute": 44}
